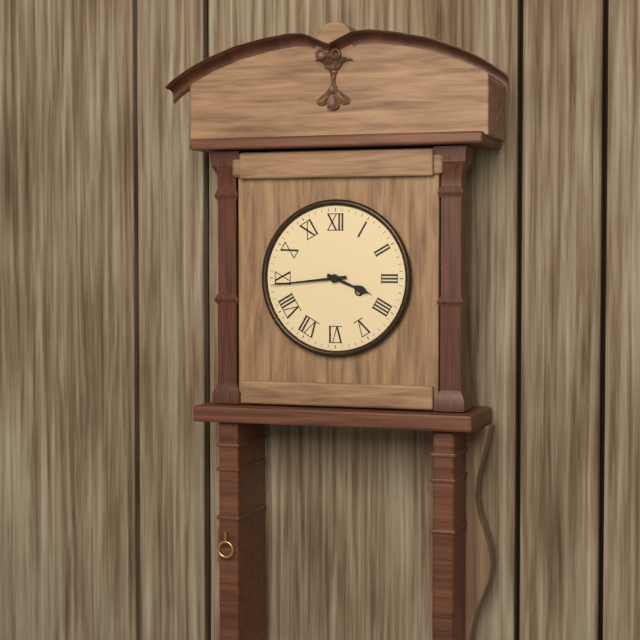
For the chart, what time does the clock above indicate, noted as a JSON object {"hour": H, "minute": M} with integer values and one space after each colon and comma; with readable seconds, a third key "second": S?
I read {"hour": 3, "minute": 44}
